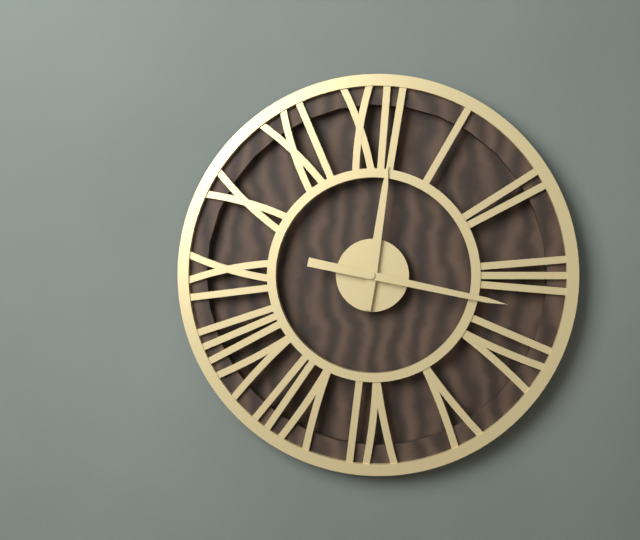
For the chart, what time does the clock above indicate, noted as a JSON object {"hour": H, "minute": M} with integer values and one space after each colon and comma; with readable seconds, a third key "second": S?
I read {"hour": 12, "minute": 17}
